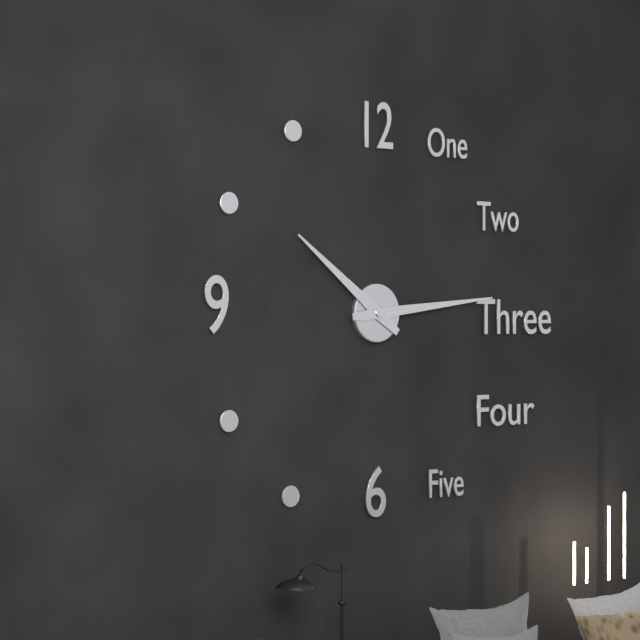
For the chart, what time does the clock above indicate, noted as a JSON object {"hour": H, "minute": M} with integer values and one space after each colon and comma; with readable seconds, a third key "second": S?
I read {"hour": 10, "minute": 14}
